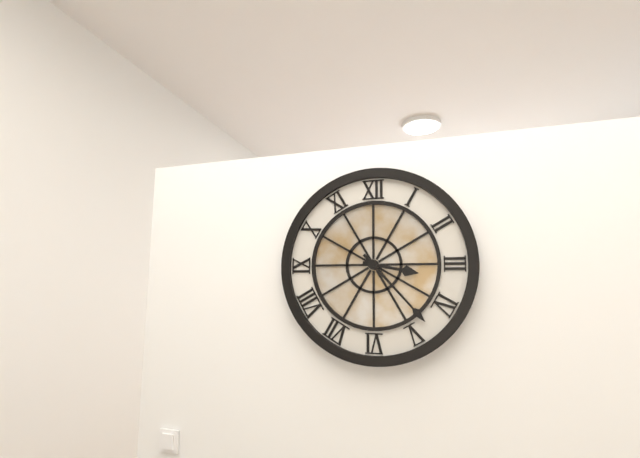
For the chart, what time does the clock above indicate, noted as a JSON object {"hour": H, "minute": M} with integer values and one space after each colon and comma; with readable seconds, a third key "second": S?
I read {"hour": 3, "minute": 23}
